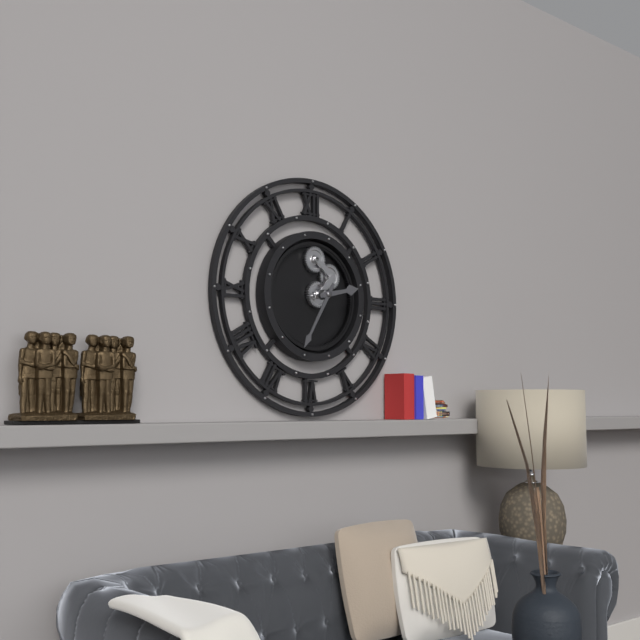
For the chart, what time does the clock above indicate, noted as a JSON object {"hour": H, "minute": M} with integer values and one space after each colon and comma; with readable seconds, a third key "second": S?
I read {"hour": 2, "minute": 35}
